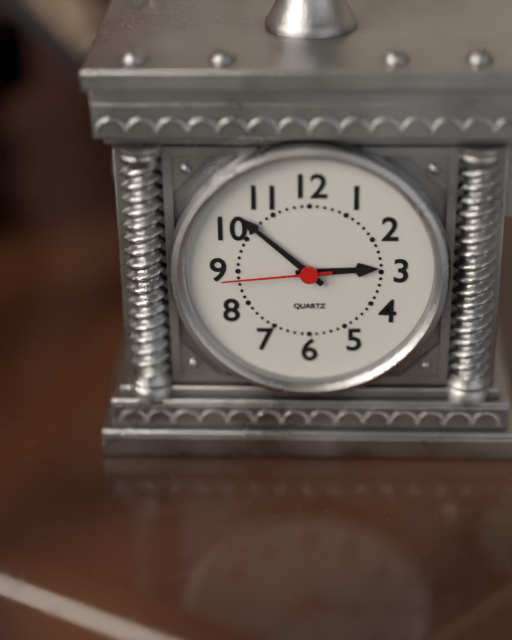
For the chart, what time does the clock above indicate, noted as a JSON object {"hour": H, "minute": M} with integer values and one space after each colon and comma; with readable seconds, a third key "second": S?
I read {"hour": 2, "minute": 52, "second": 44}
